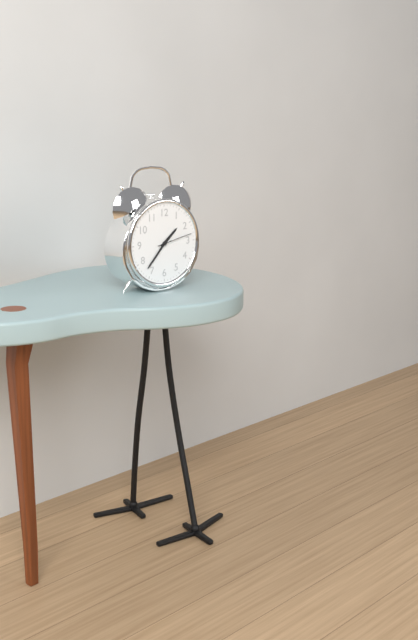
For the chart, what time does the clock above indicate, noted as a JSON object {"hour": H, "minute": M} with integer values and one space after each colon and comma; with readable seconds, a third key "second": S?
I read {"hour": 1, "minute": 37}
